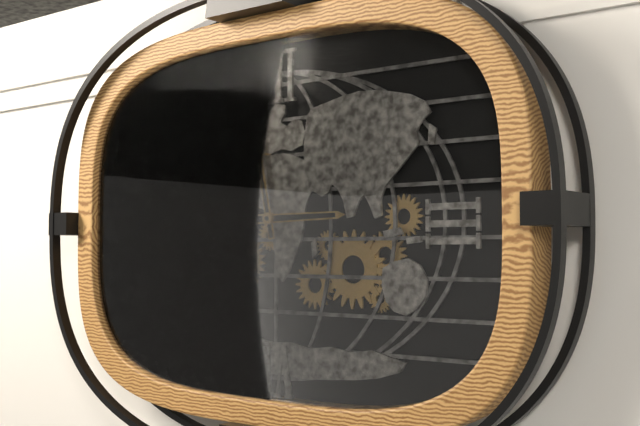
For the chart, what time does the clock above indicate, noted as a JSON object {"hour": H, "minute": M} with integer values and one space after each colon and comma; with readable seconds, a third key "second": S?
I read {"hour": 2, "minute": 58}
